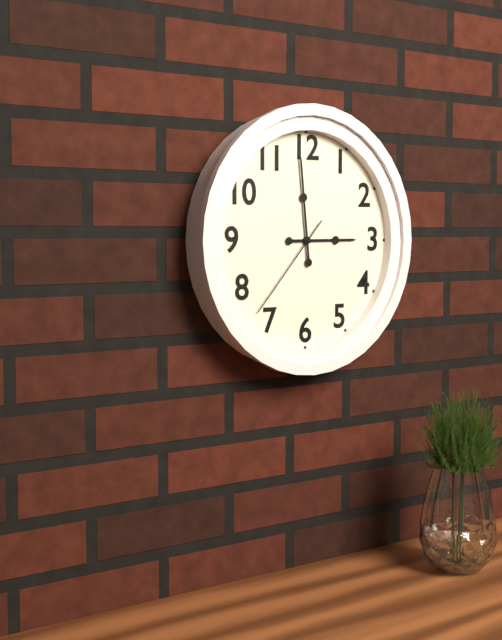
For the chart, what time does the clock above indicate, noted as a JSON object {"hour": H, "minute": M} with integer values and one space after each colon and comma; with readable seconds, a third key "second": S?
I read {"hour": 2, "minute": 59, "second": 37}
